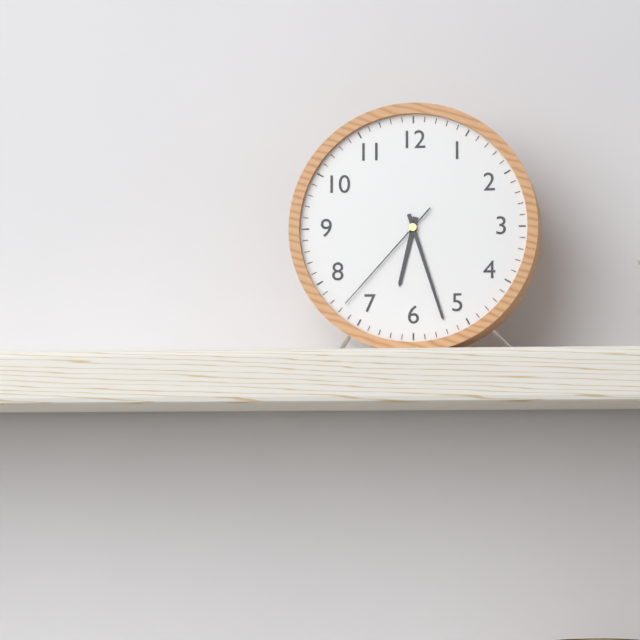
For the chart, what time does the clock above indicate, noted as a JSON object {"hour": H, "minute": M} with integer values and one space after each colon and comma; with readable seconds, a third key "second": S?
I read {"hour": 6, "minute": 27, "second": 37}
